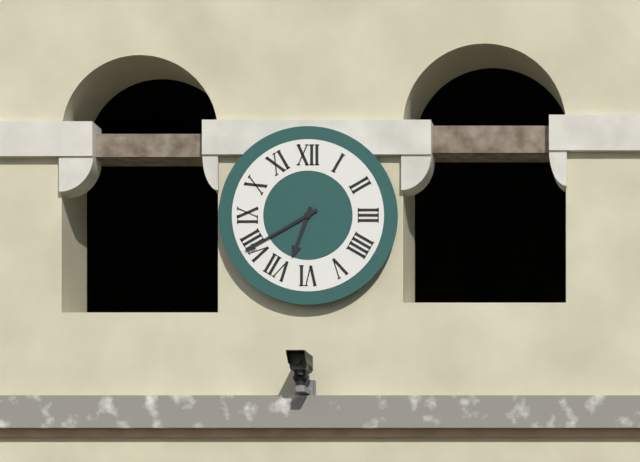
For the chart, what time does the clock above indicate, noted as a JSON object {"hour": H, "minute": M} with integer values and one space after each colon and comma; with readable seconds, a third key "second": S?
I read {"hour": 6, "minute": 40}
